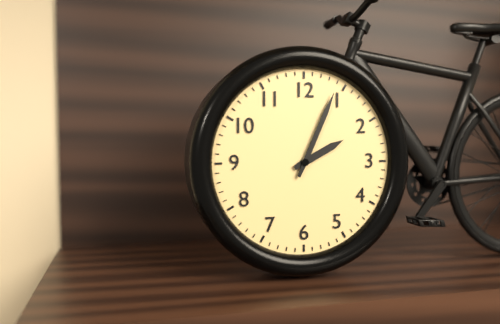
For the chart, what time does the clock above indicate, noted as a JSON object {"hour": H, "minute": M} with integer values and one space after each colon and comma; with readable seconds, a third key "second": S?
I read {"hour": 2, "minute": 4}
